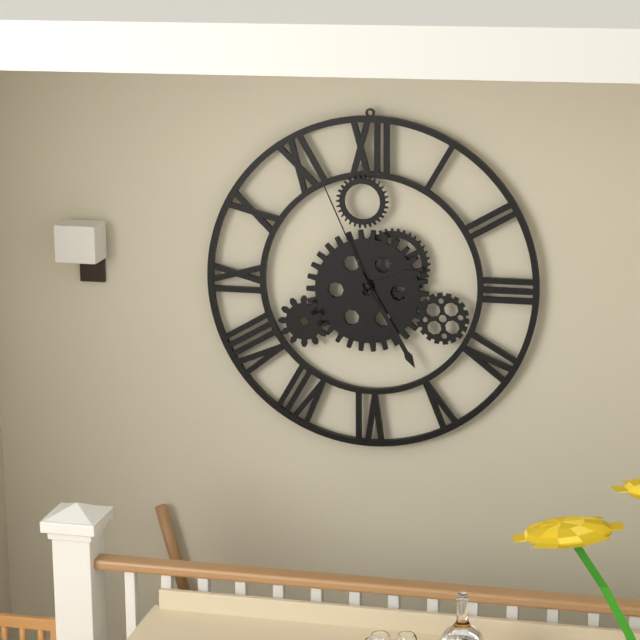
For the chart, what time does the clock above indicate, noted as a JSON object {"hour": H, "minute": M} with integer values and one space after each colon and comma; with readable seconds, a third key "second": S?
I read {"hour": 2, "minute": 25, "second": 56}
